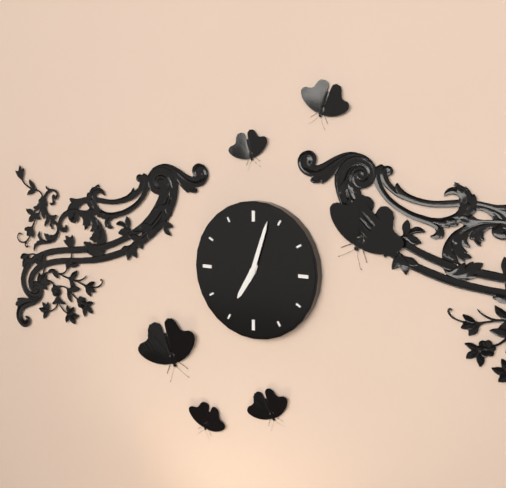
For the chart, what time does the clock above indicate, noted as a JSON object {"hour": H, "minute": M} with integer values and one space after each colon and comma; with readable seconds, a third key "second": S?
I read {"hour": 7, "minute": 3}
